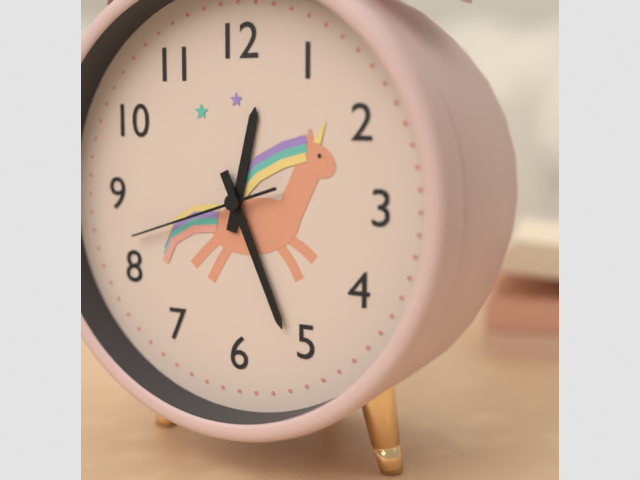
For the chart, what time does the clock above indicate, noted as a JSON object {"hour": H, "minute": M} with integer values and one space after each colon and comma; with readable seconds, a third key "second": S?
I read {"hour": 12, "minute": 26, "second": 42}
